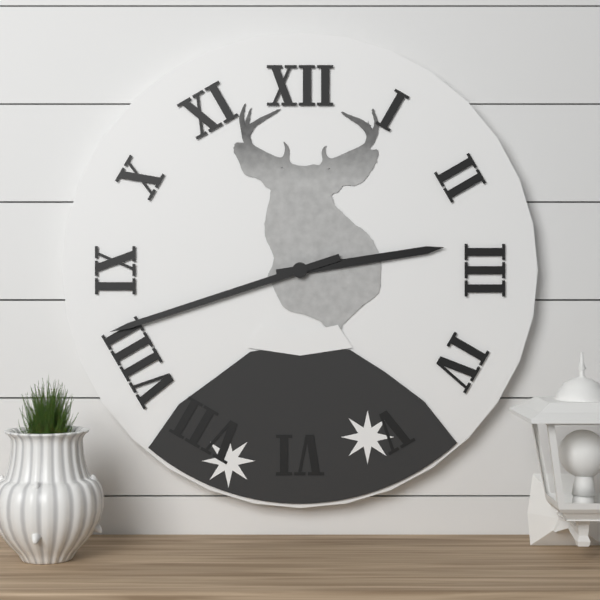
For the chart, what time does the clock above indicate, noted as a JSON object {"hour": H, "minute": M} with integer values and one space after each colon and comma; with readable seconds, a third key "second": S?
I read {"hour": 2, "minute": 42}
